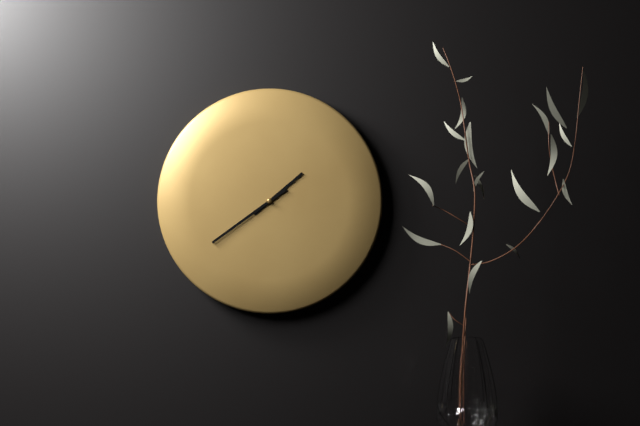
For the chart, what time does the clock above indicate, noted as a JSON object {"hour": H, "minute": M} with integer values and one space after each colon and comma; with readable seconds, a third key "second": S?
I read {"hour": 1, "minute": 39}
